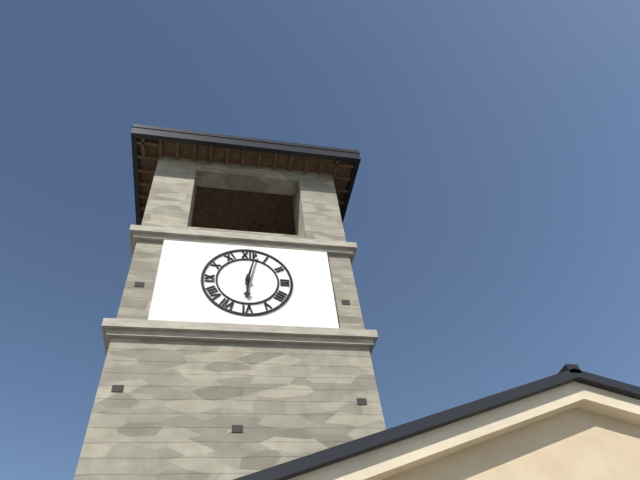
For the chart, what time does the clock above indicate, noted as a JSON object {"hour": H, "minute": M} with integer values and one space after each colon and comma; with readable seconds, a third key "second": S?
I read {"hour": 6, "minute": 2}
